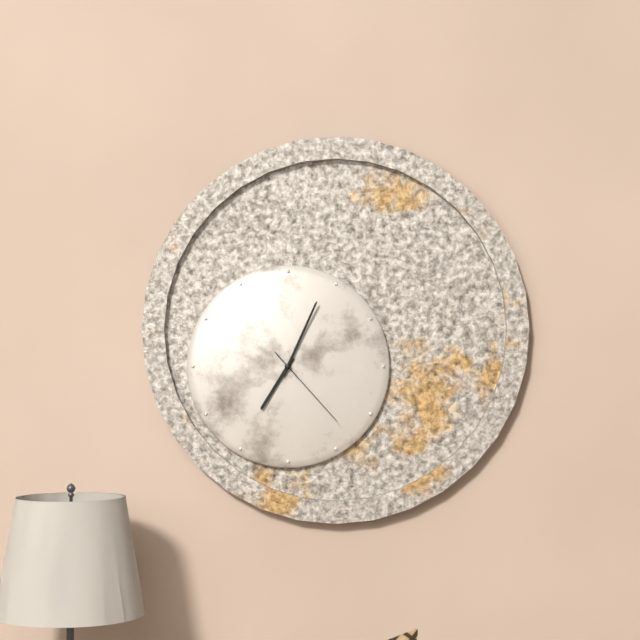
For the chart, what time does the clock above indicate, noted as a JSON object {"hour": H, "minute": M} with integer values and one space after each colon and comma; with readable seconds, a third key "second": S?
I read {"hour": 7, "minute": 4, "second": 23}
